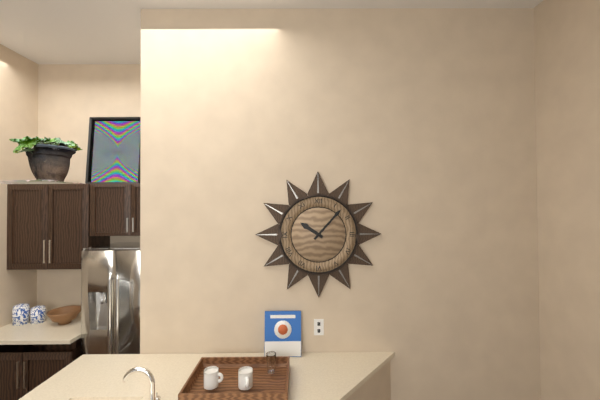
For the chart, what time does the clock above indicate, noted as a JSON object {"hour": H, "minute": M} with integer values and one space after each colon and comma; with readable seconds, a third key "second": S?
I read {"hour": 10, "minute": 7}
